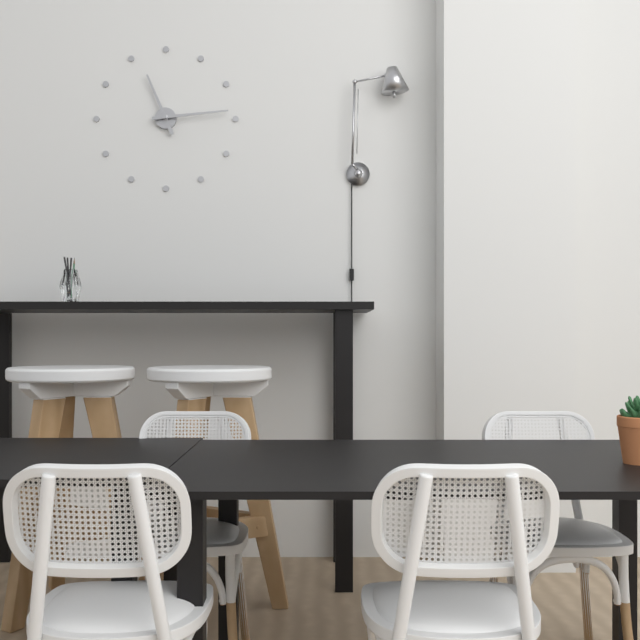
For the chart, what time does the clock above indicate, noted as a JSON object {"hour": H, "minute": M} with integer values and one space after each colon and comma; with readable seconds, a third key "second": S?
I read {"hour": 11, "minute": 14}
